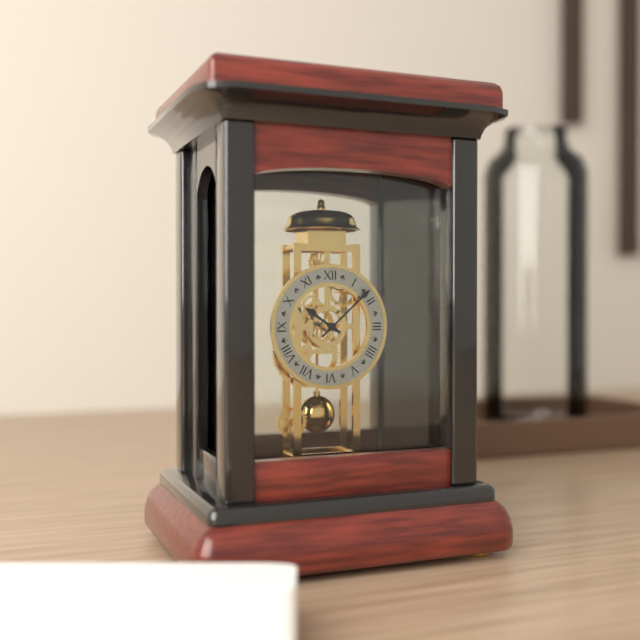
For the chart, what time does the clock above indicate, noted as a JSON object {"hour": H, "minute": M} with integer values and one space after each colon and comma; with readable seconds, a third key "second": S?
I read {"hour": 10, "minute": 8}
